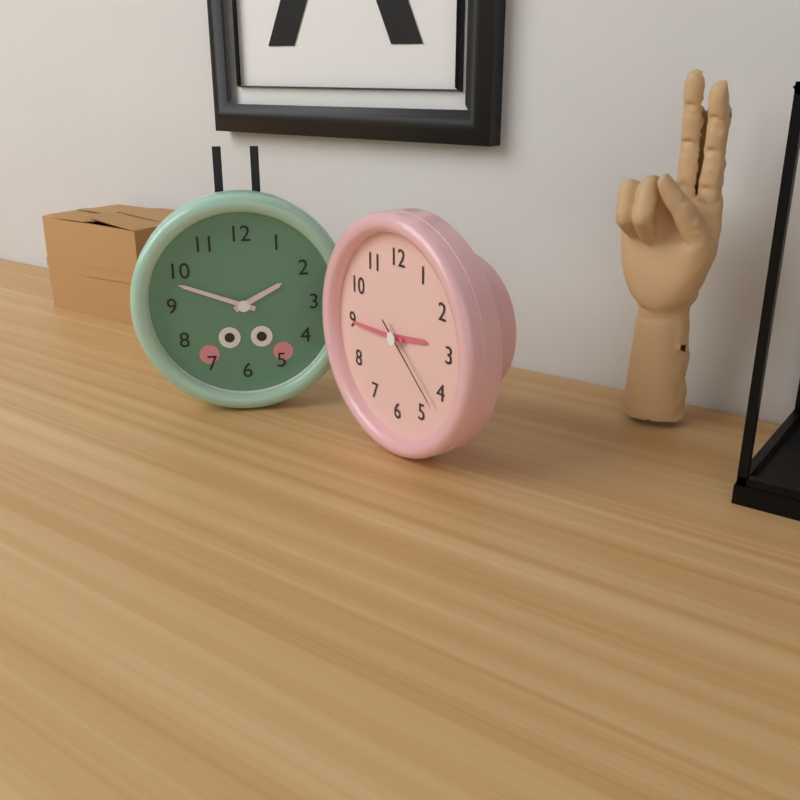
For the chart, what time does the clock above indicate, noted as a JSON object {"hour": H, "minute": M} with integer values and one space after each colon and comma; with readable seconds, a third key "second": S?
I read {"hour": 2, "minute": 45, "second": 22}
